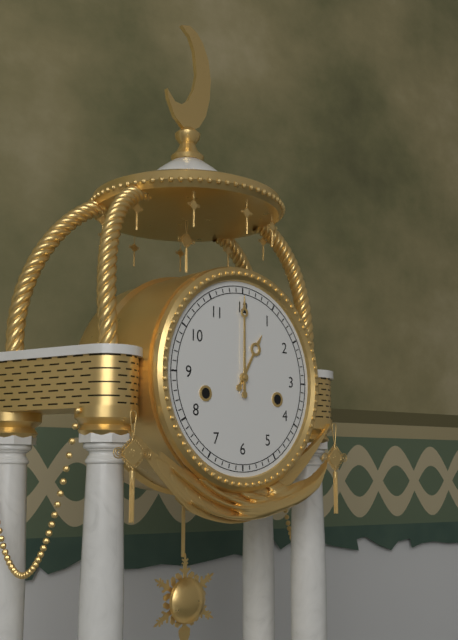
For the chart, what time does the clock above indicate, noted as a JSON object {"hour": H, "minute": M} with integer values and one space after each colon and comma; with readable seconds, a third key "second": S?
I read {"hour": 1, "minute": 0}
